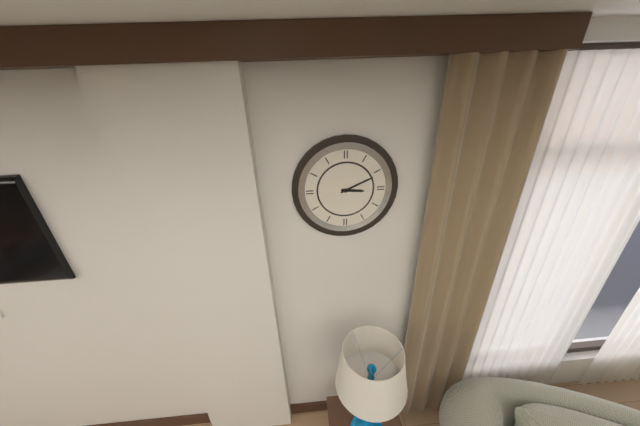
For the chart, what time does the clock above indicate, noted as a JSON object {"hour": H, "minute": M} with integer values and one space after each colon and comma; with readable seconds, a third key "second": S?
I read {"hour": 3, "minute": 11}
